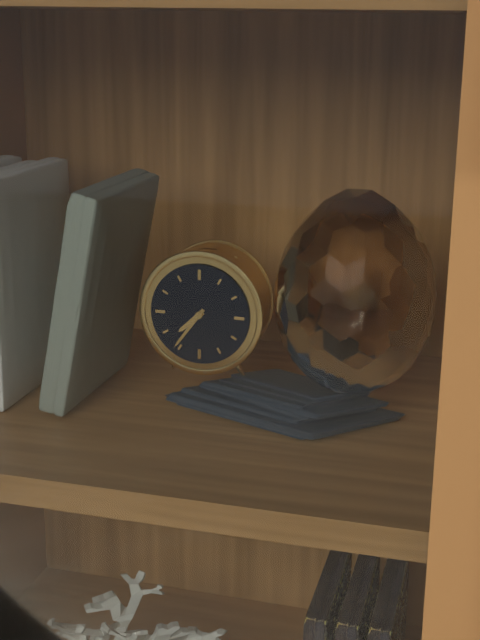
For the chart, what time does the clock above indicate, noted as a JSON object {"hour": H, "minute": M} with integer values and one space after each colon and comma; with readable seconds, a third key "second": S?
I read {"hour": 7, "minute": 36}
